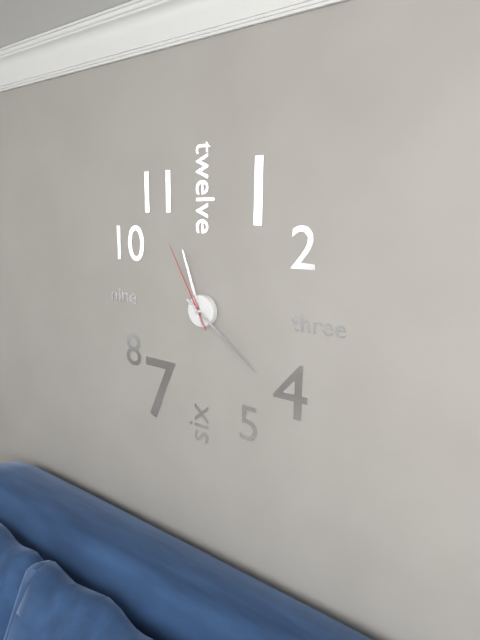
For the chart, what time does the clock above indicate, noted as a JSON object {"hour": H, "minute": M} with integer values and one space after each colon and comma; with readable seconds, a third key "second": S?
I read {"hour": 11, "minute": 21, "second": 55}
